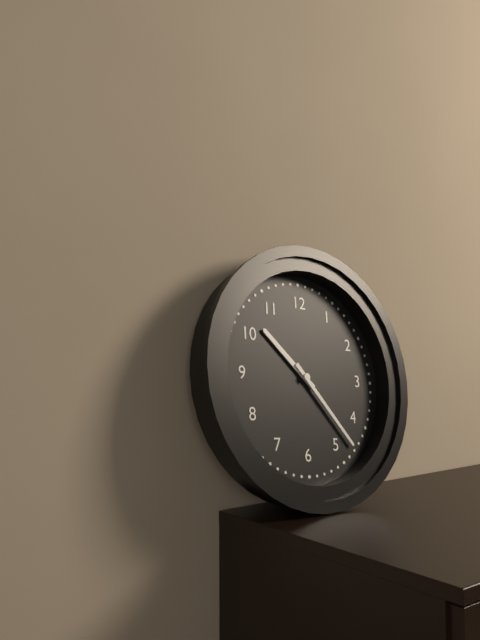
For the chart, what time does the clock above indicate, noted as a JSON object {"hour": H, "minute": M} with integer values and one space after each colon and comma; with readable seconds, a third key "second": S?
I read {"hour": 10, "minute": 23}
